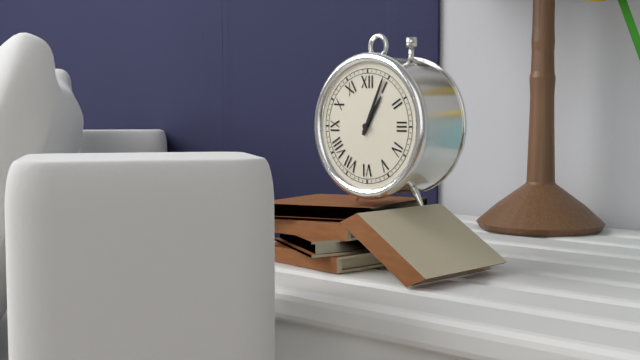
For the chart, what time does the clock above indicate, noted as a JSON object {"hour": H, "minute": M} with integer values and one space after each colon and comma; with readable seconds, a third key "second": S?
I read {"hour": 1, "minute": 4}
